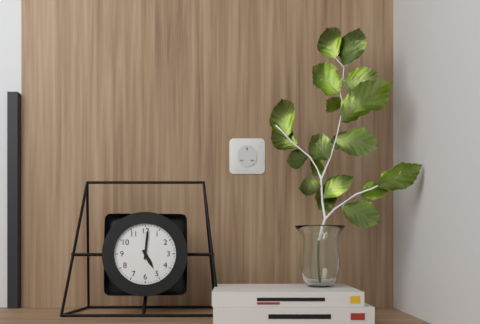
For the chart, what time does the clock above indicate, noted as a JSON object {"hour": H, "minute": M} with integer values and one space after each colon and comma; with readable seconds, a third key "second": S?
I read {"hour": 5, "minute": 1}
